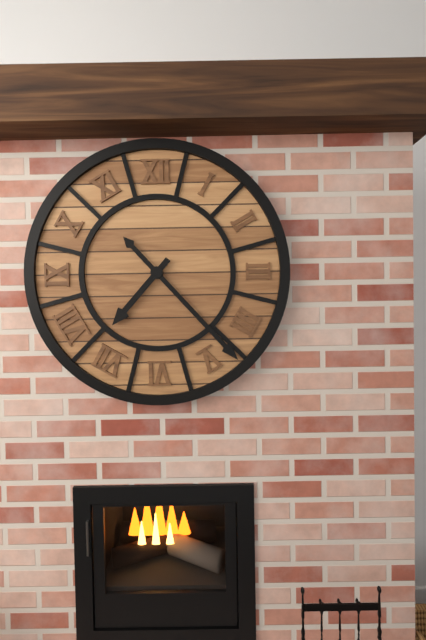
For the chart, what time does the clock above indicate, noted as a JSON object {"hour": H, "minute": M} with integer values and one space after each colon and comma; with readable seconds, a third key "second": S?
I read {"hour": 7, "minute": 23}
